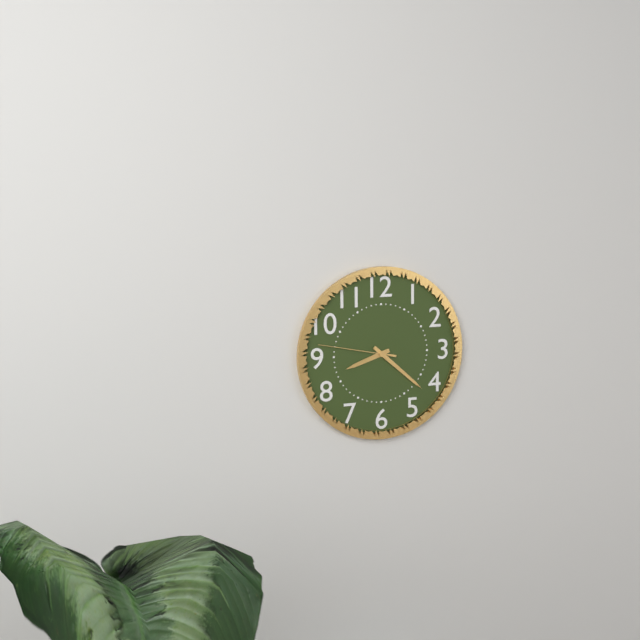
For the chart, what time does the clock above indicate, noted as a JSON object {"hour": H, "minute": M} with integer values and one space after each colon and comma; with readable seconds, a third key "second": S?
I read {"hour": 8, "minute": 22, "second": 47}
